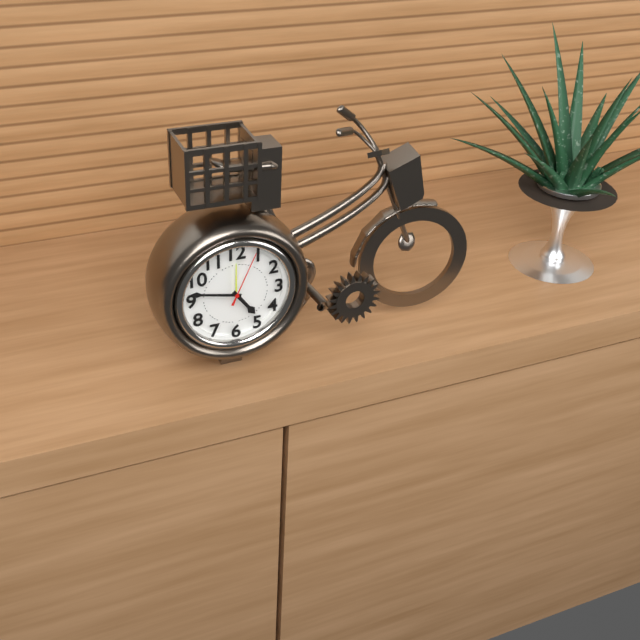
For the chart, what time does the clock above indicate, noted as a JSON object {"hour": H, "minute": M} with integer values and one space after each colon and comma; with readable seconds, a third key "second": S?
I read {"hour": 4, "minute": 47, "second": 4}
